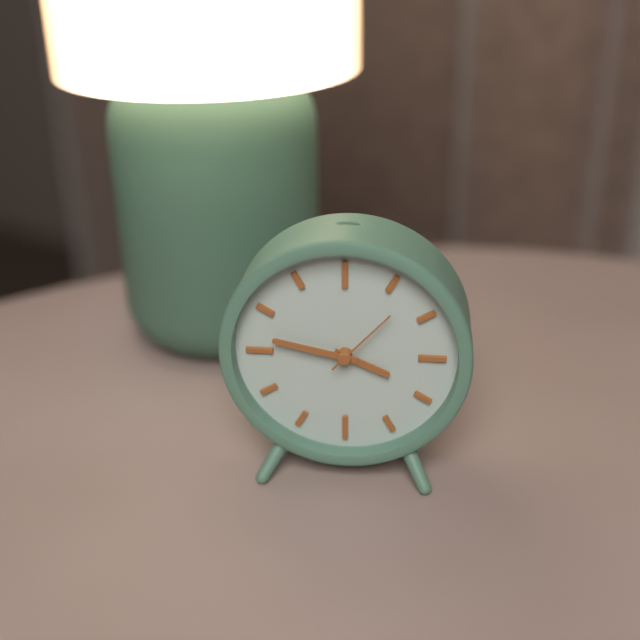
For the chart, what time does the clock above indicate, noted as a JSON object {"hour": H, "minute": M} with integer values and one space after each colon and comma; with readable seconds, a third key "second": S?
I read {"hour": 3, "minute": 47, "second": 7}
